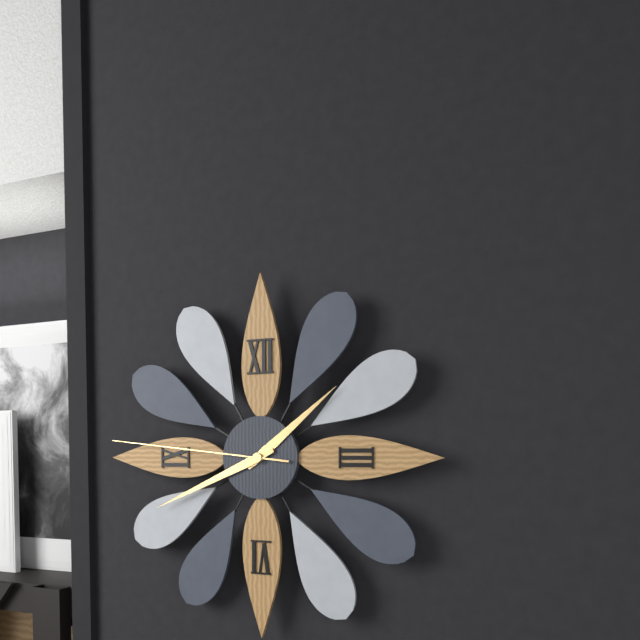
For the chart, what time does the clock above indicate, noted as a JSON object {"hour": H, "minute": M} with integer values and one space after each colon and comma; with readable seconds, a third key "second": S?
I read {"hour": 1, "minute": 41, "second": 46}
